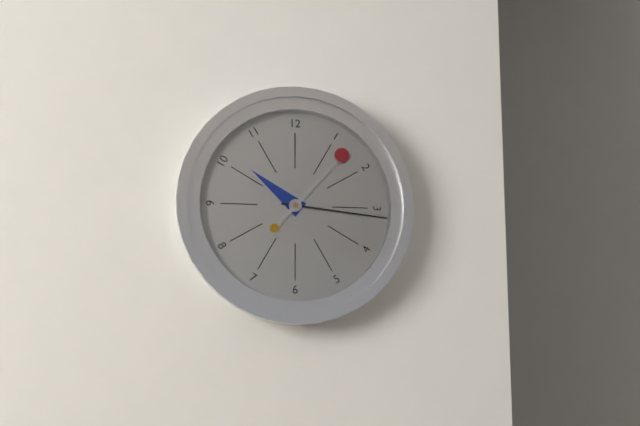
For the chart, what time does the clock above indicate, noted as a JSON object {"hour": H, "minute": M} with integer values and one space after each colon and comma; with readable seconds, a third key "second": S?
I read {"hour": 10, "minute": 16, "second": 7}
